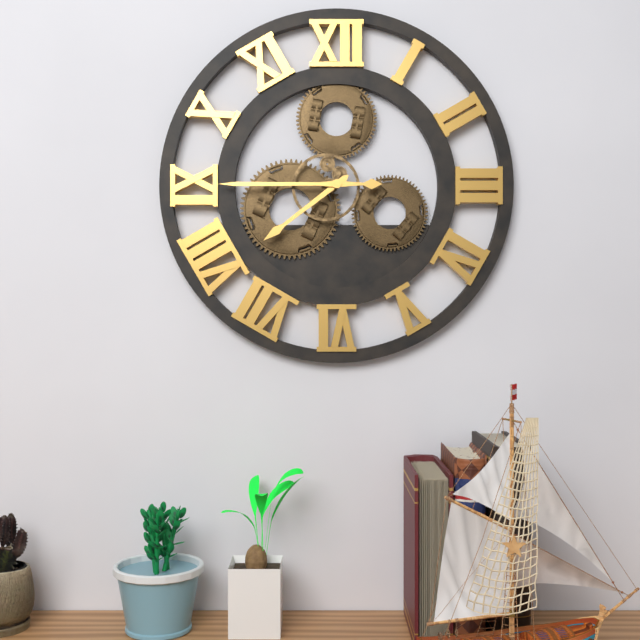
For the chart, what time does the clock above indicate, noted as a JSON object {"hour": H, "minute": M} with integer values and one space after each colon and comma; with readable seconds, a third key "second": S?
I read {"hour": 7, "minute": 45}
